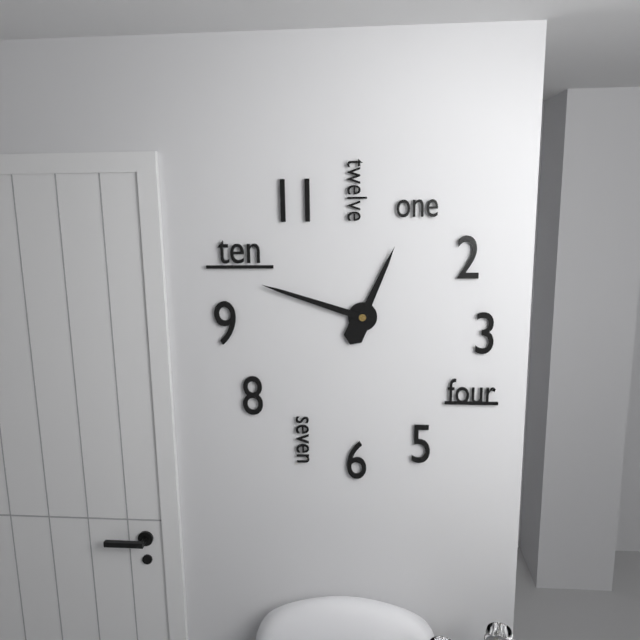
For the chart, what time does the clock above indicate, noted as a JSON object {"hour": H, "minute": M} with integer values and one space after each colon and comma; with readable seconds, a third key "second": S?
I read {"hour": 12, "minute": 48}
